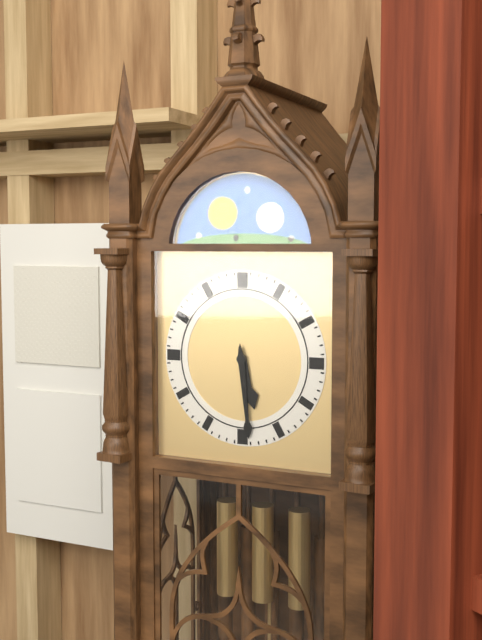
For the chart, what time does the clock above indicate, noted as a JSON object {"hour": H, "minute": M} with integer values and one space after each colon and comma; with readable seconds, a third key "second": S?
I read {"hour": 5, "minute": 29}
